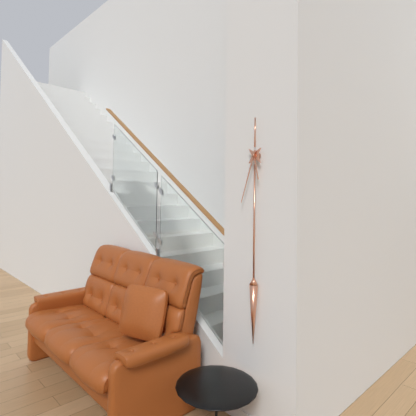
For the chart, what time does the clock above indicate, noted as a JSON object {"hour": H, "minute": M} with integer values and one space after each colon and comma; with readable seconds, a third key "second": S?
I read {"hour": 5, "minute": 33}
